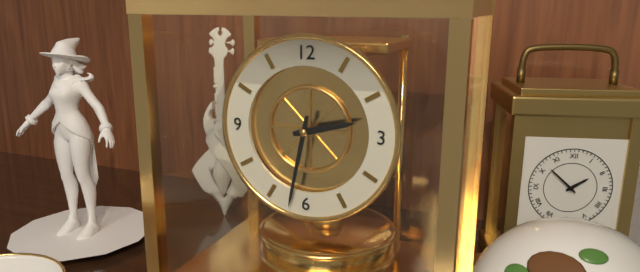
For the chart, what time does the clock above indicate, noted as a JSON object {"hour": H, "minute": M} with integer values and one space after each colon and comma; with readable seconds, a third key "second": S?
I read {"hour": 2, "minute": 32}
